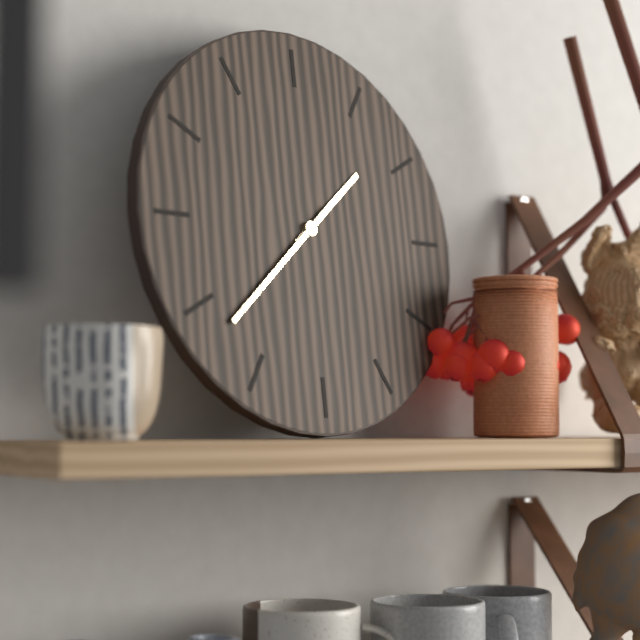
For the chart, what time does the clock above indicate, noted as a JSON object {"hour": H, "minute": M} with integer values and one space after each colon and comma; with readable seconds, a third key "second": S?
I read {"hour": 1, "minute": 38}
